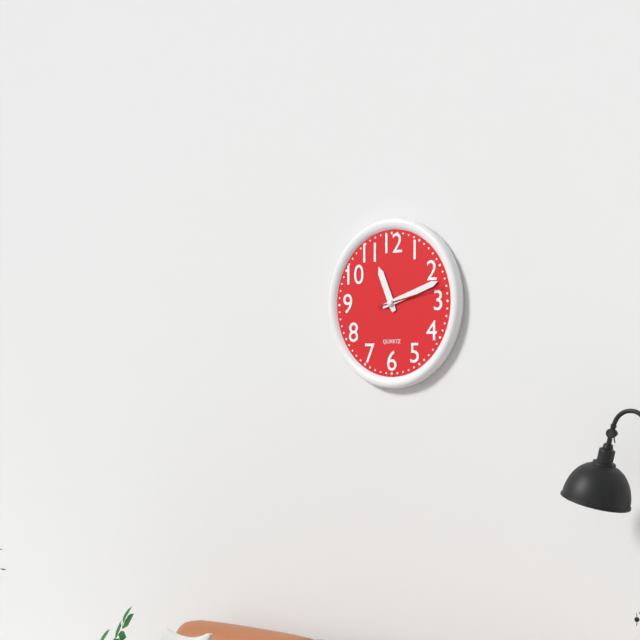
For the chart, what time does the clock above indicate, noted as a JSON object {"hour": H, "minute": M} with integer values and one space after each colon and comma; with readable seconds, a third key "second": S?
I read {"hour": 11, "minute": 12, "second": 13}
